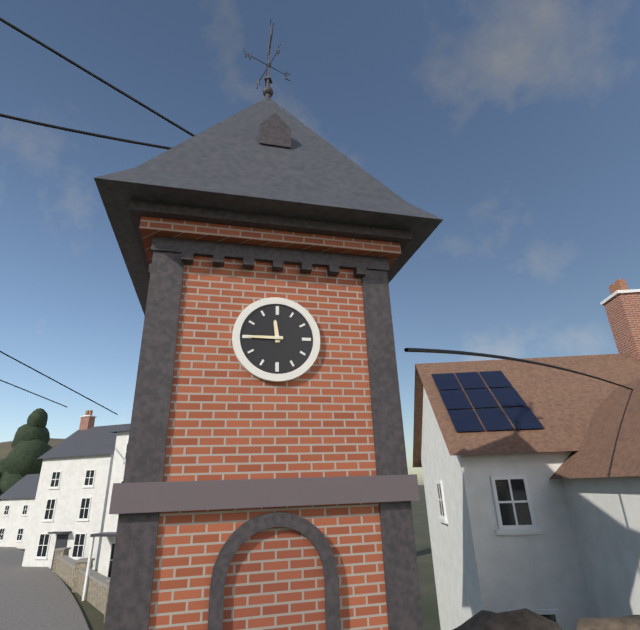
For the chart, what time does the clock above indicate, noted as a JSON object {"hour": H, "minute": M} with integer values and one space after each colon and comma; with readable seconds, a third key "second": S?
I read {"hour": 11, "minute": 45}
